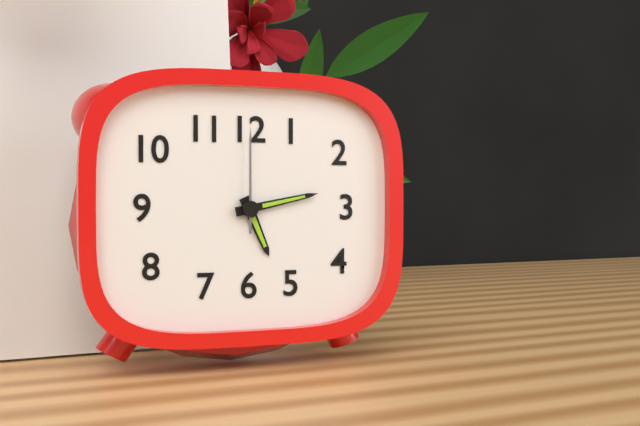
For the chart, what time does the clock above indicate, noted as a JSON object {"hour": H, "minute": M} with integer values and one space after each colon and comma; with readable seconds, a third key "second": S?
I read {"hour": 5, "minute": 13, "second": 0}
